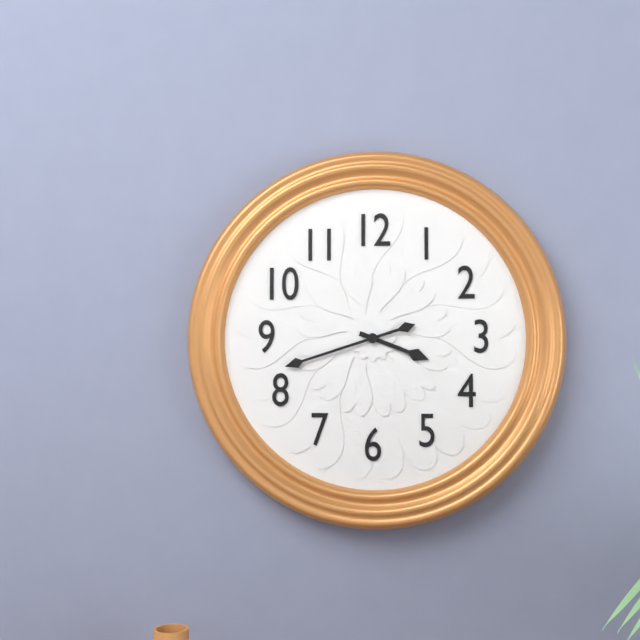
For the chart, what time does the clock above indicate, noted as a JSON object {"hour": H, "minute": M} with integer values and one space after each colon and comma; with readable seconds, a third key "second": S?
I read {"hour": 3, "minute": 42}
